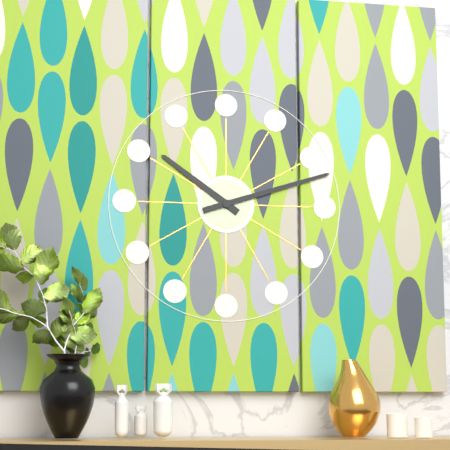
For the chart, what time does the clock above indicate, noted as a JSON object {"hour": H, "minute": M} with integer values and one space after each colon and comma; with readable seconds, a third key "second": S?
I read {"hour": 10, "minute": 12}
